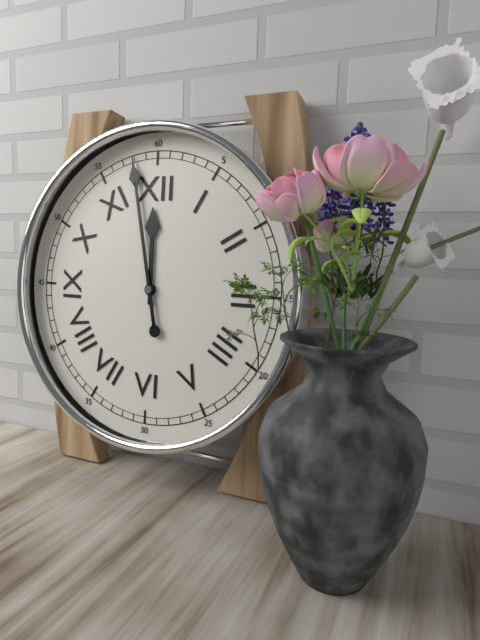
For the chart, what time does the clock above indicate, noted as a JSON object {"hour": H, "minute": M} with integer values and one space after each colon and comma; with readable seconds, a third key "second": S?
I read {"hour": 11, "minute": 58}
